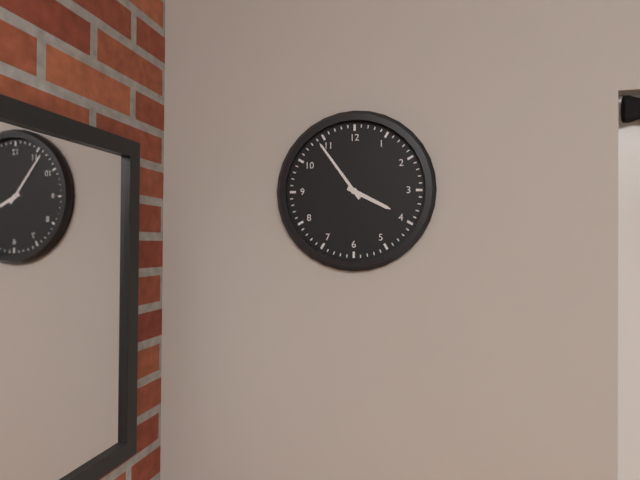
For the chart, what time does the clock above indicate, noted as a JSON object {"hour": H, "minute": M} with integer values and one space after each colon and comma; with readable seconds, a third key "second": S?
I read {"hour": 3, "minute": 54}
